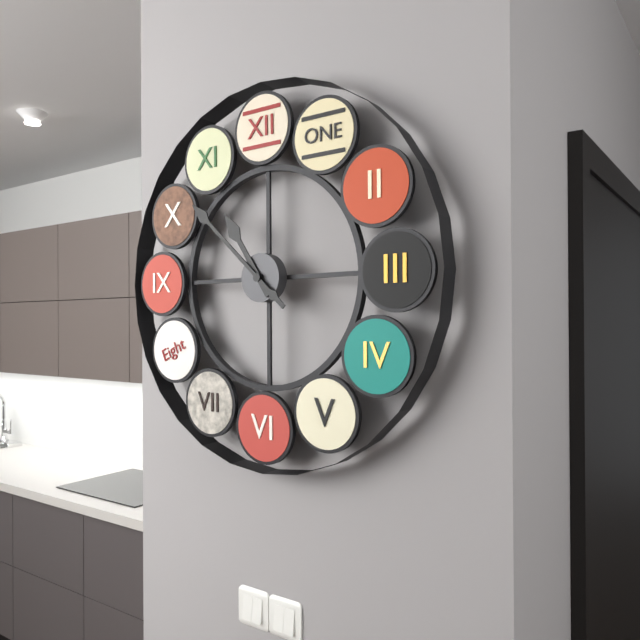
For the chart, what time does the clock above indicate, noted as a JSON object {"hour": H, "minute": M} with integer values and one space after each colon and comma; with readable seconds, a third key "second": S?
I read {"hour": 10, "minute": 52}
